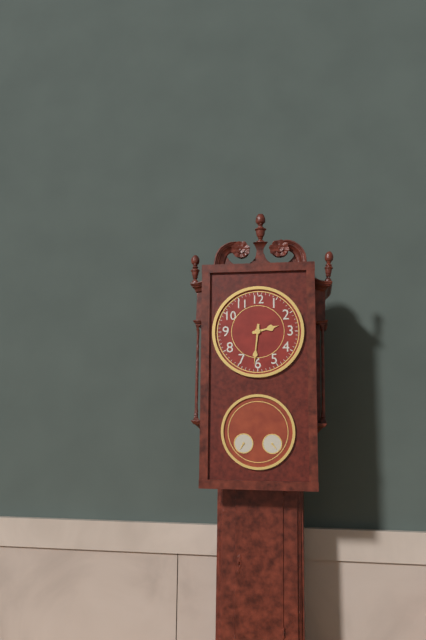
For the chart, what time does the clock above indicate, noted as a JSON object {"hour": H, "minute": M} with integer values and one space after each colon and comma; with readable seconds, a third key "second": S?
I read {"hour": 2, "minute": 31}
